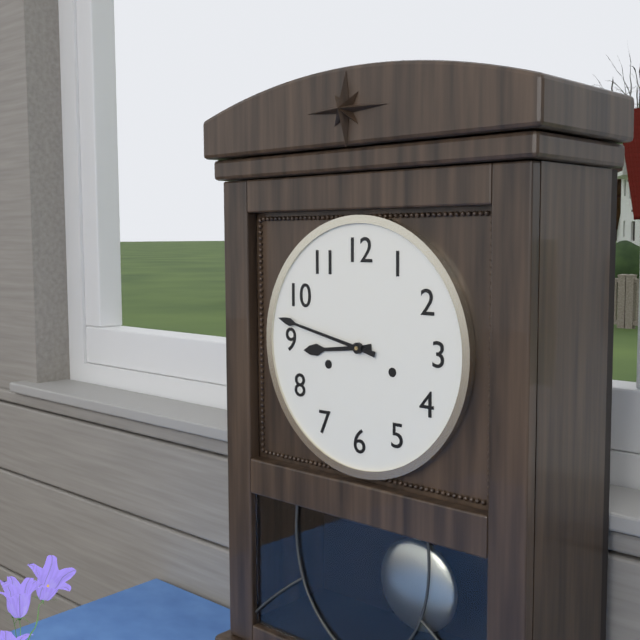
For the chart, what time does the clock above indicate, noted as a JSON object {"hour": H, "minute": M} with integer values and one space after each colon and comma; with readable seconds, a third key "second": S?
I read {"hour": 8, "minute": 47}
